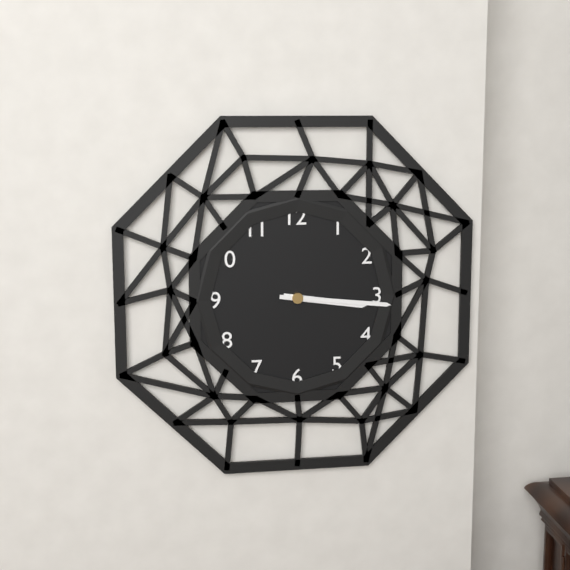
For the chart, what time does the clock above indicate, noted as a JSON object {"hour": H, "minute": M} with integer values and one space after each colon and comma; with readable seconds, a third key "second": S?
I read {"hour": 3, "minute": 16}
